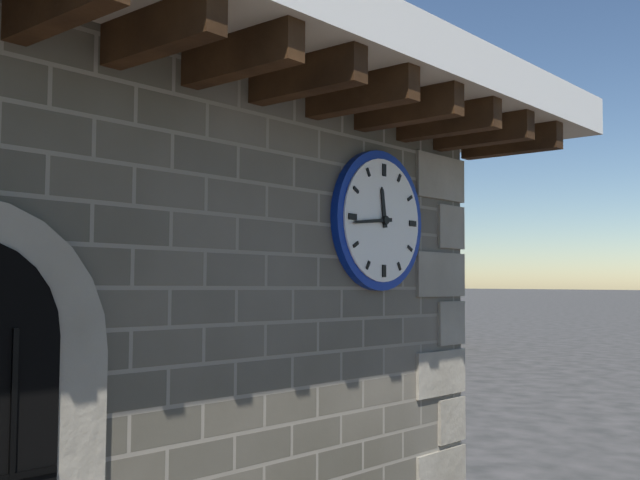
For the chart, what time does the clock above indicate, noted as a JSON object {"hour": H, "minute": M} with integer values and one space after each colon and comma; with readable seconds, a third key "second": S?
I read {"hour": 11, "minute": 44}
